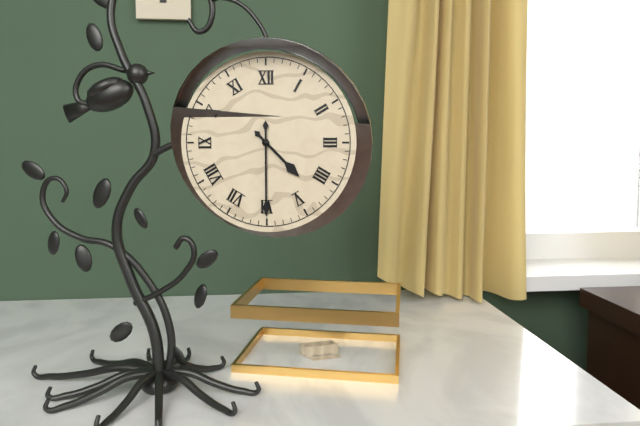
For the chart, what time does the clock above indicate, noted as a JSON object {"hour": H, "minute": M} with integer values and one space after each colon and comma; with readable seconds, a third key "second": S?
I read {"hour": 4, "minute": 30}
